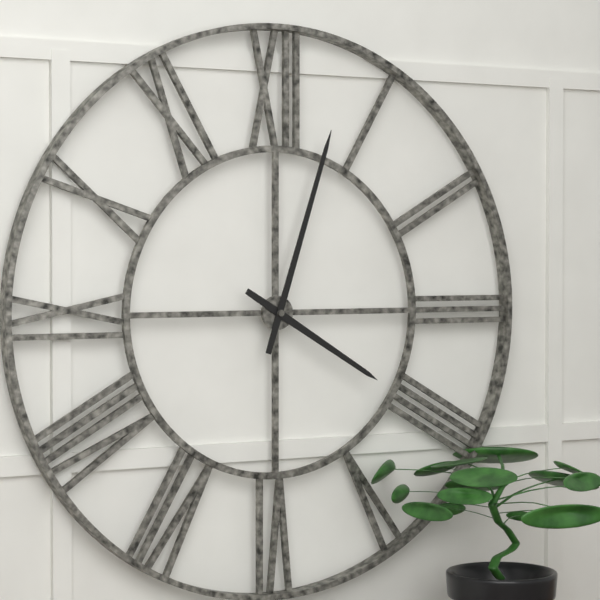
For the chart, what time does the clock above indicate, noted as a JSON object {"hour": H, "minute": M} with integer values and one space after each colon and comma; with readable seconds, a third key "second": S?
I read {"hour": 4, "minute": 3}
